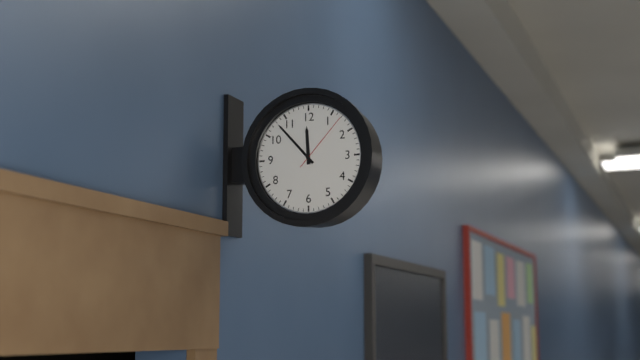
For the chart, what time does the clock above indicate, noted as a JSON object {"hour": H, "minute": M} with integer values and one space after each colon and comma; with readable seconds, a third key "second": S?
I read {"hour": 11, "minute": 53, "second": 7}
